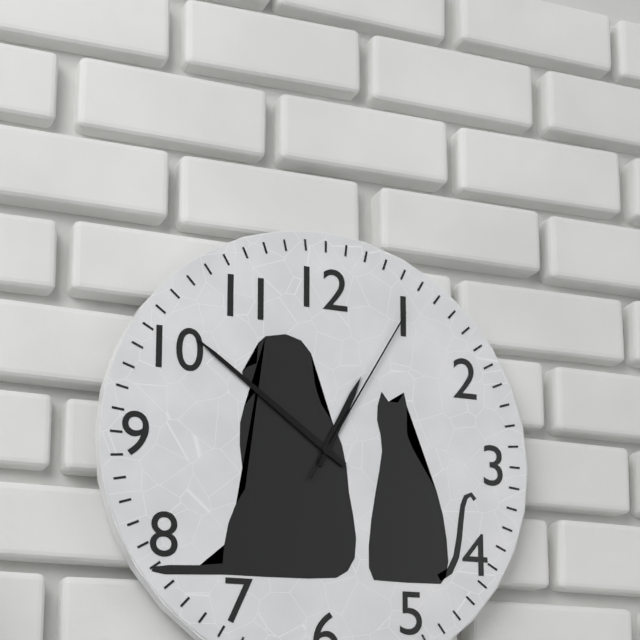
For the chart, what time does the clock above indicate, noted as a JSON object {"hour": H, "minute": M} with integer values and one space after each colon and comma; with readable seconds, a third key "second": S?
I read {"hour": 12, "minute": 51, "second": 5}
